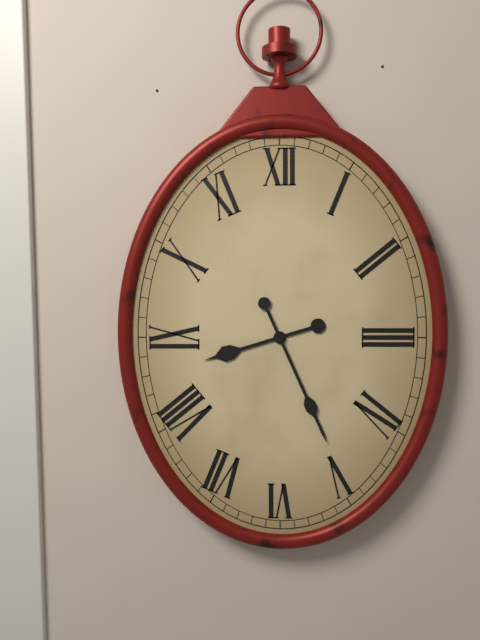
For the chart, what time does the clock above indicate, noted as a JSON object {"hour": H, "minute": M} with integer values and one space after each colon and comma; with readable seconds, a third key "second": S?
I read {"hour": 8, "minute": 26}
